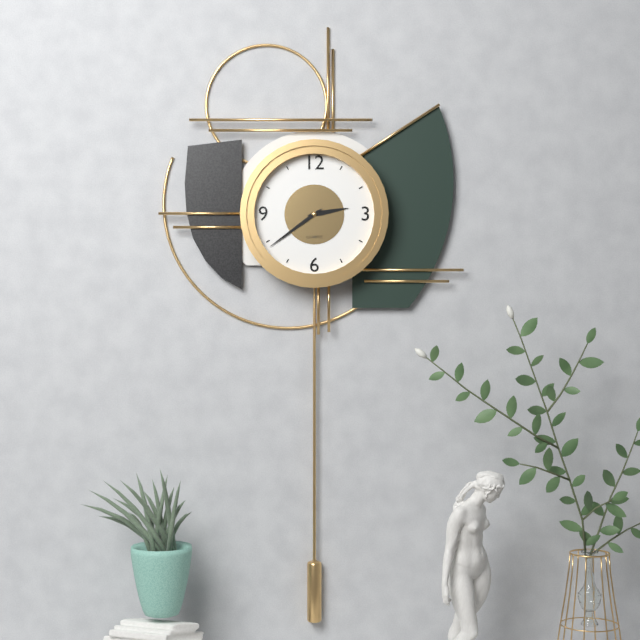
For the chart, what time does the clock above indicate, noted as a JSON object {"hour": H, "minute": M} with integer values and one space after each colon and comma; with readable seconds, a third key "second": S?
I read {"hour": 2, "minute": 39}
